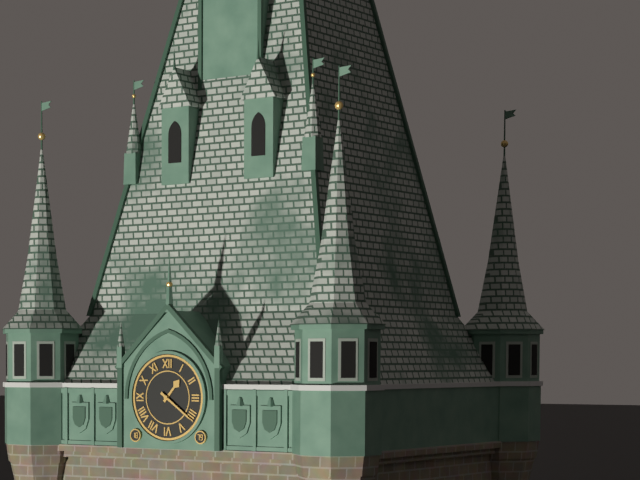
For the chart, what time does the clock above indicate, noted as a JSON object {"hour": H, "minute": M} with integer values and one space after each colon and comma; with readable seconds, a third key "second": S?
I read {"hour": 1, "minute": 21}
